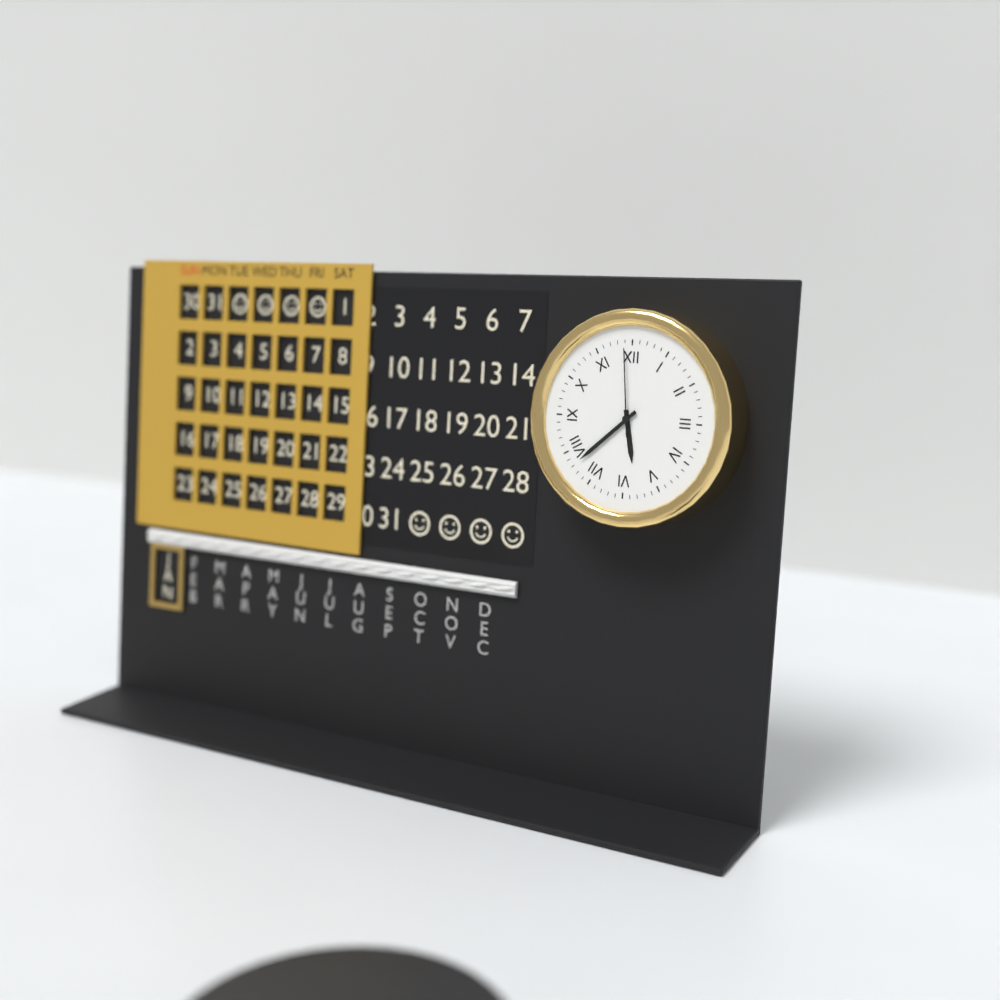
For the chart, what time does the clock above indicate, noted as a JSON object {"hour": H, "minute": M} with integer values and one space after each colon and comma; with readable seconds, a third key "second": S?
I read {"hour": 5, "minute": 38, "second": 59}
